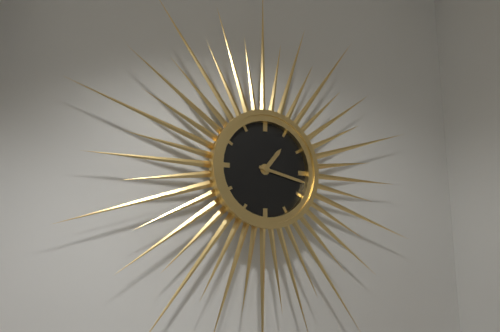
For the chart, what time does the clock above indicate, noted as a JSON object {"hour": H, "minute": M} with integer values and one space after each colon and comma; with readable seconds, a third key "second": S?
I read {"hour": 1, "minute": 17}
